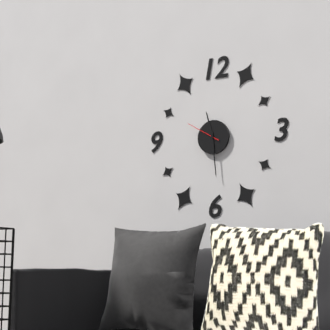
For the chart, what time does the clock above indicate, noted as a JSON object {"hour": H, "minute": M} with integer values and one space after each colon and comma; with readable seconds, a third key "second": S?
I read {"hour": 11, "minute": 29}
